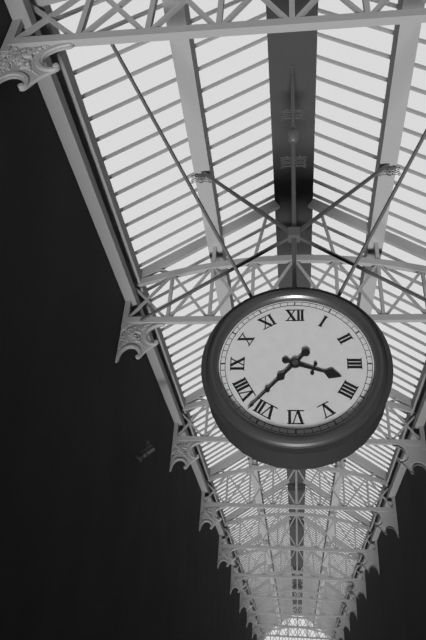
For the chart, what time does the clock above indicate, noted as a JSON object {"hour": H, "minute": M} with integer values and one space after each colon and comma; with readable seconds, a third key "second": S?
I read {"hour": 3, "minute": 37}
